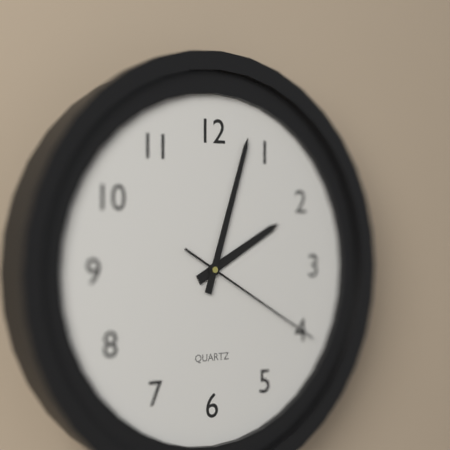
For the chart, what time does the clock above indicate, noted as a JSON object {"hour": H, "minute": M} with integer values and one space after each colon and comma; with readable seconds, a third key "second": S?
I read {"hour": 2, "minute": 3, "second": 20}
